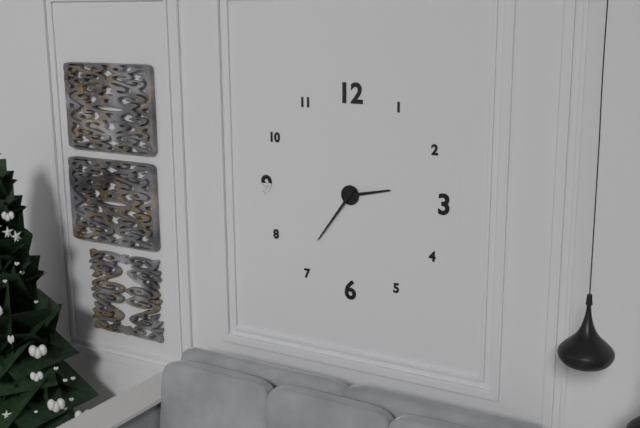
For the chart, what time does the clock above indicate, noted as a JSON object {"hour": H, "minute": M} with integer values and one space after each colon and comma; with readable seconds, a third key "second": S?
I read {"hour": 2, "minute": 36}
